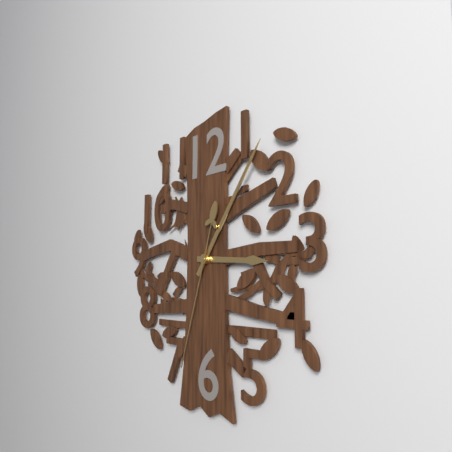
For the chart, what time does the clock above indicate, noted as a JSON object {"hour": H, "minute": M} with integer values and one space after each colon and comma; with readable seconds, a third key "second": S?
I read {"hour": 3, "minute": 6, "second": 33}
